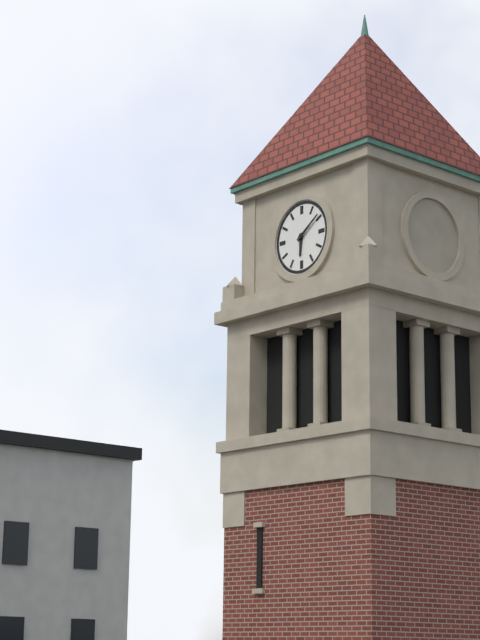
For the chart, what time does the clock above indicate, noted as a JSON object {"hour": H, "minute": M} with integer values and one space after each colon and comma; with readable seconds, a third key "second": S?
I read {"hour": 6, "minute": 9}
